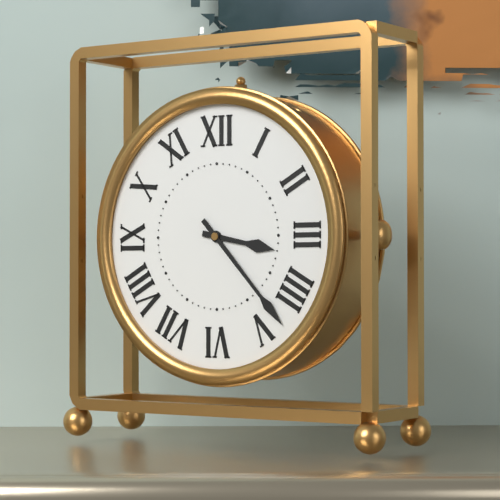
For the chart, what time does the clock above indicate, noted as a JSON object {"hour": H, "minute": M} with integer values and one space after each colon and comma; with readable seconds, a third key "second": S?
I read {"hour": 3, "minute": 23}
